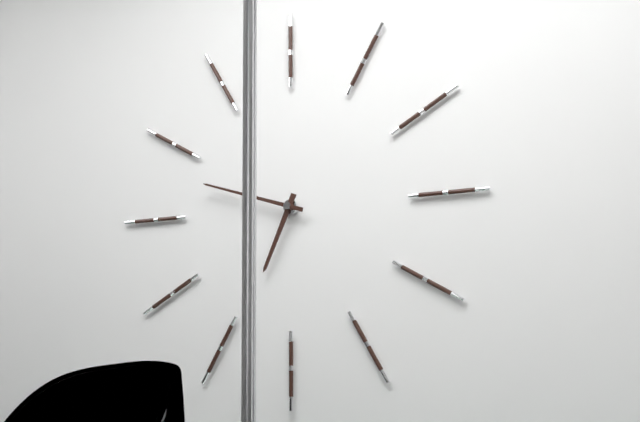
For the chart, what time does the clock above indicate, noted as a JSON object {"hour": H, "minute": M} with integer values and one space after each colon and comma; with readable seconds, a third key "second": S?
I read {"hour": 6, "minute": 48}
